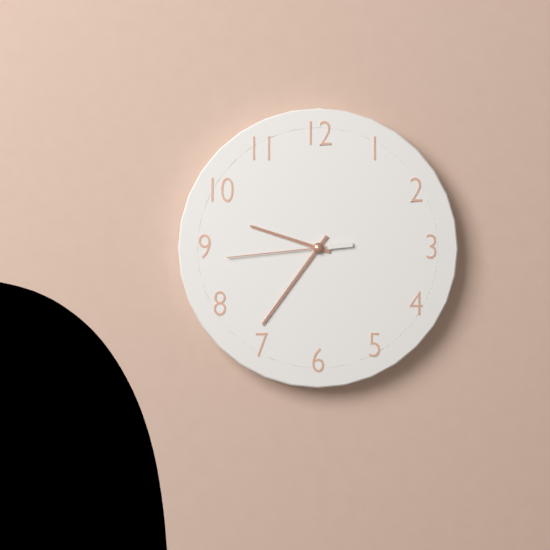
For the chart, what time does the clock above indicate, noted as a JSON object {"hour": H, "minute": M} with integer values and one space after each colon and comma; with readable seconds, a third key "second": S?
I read {"hour": 9, "minute": 36, "second": 44}
